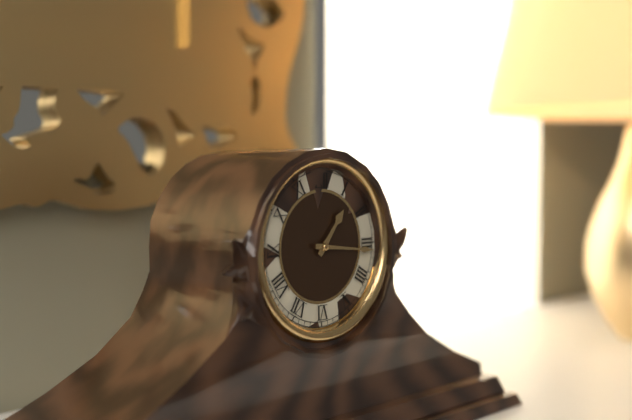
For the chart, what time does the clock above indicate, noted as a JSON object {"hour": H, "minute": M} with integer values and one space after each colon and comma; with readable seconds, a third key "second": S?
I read {"hour": 1, "minute": 16}
